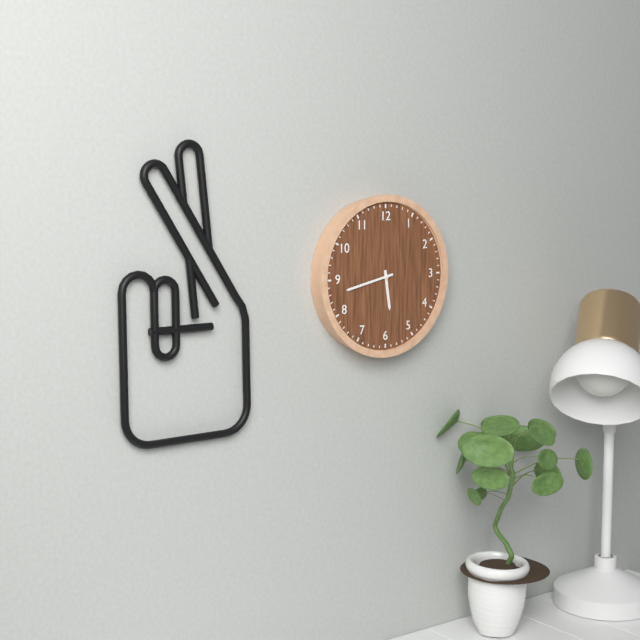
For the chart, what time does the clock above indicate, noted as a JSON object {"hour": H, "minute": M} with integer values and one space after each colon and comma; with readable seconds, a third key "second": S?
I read {"hour": 5, "minute": 43}
